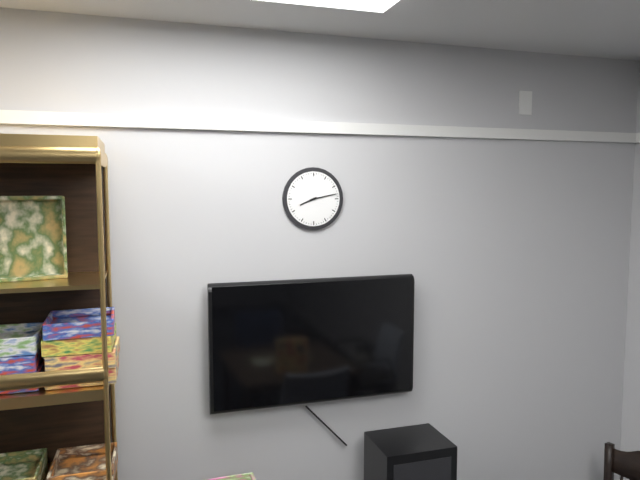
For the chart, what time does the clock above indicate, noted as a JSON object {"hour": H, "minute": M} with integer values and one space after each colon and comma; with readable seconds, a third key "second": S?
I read {"hour": 8, "minute": 13}
